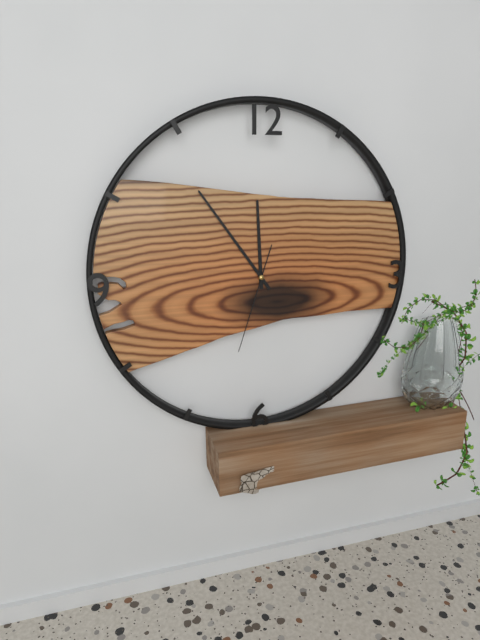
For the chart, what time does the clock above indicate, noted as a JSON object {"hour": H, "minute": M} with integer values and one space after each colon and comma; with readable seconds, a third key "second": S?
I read {"hour": 11, "minute": 54, "second": 33}
